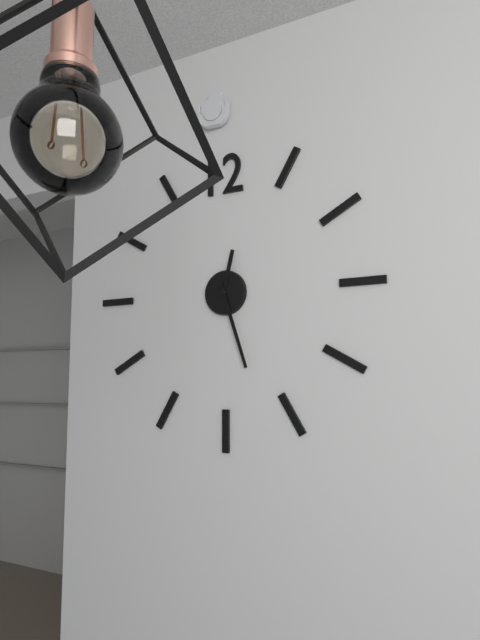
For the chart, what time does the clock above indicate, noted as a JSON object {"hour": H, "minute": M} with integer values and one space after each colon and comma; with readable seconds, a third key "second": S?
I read {"hour": 12, "minute": 27}
